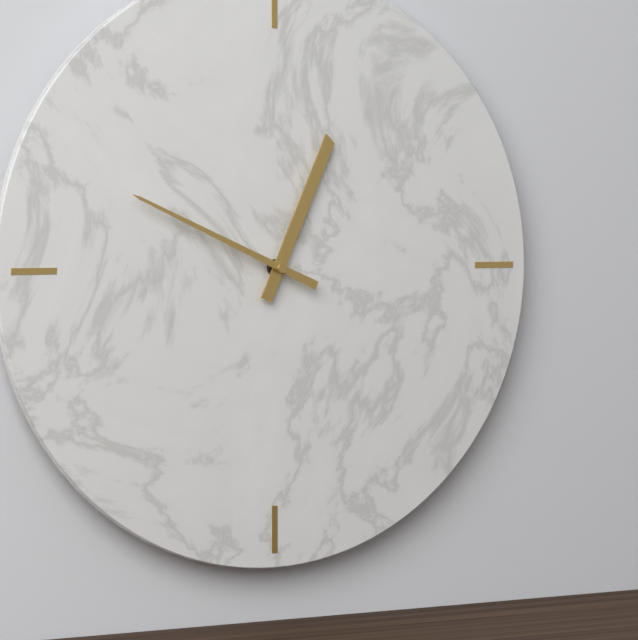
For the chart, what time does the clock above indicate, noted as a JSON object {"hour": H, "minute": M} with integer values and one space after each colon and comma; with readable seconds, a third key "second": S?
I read {"hour": 12, "minute": 49}
